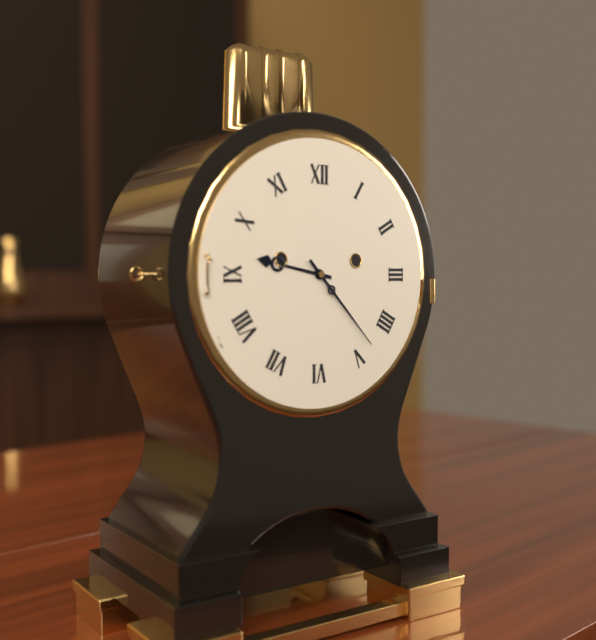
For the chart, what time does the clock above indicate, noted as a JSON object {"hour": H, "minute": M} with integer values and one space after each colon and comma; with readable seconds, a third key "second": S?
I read {"hour": 9, "minute": 23}
